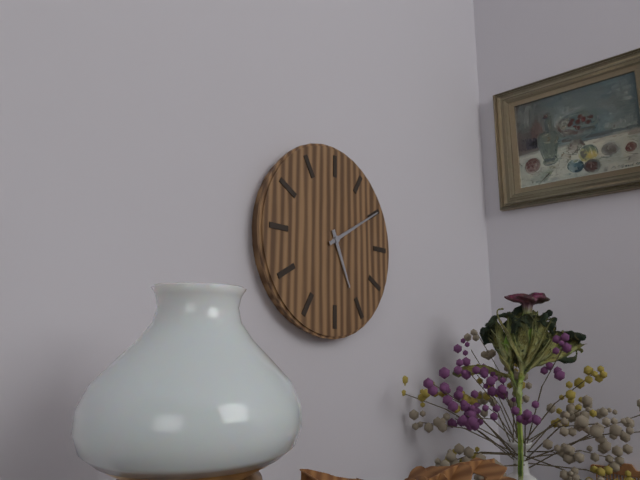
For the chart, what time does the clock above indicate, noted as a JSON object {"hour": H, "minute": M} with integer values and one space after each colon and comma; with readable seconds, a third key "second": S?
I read {"hour": 5, "minute": 10}
